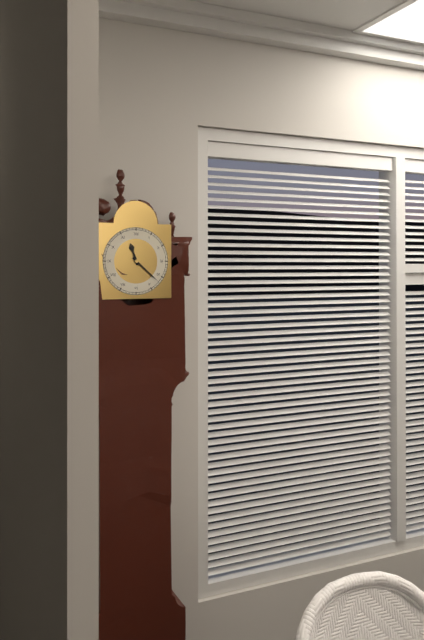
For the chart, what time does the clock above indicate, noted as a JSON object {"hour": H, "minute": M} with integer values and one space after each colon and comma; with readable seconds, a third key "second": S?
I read {"hour": 11, "minute": 22}
